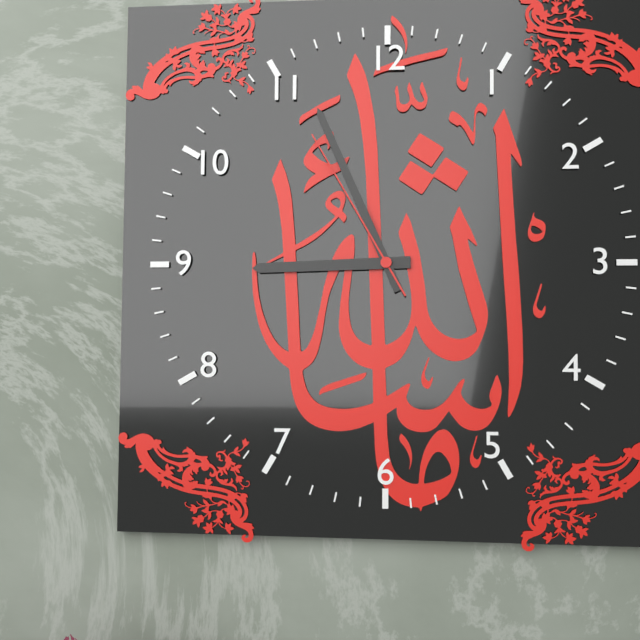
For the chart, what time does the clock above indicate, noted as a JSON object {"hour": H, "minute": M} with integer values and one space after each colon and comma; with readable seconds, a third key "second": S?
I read {"hour": 8, "minute": 56, "second": 55}
